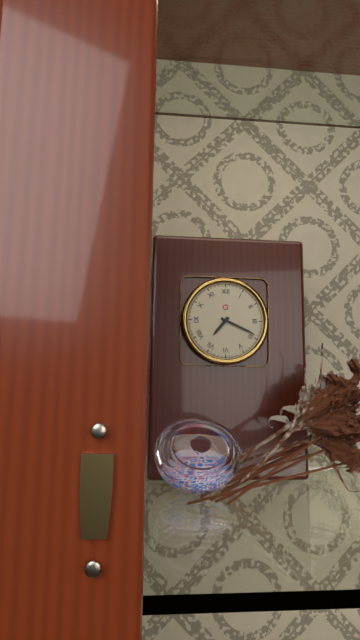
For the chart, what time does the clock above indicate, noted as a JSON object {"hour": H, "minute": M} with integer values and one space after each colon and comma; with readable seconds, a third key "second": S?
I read {"hour": 7, "minute": 19}
